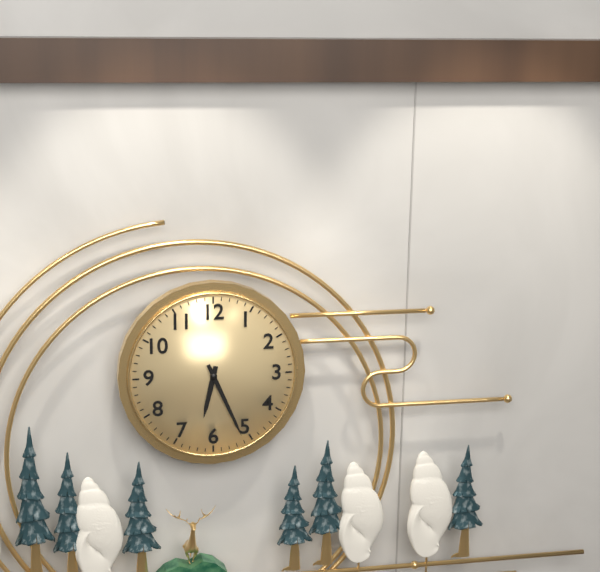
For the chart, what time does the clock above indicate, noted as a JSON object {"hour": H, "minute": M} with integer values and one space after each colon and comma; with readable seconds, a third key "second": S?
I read {"hour": 6, "minute": 26}
